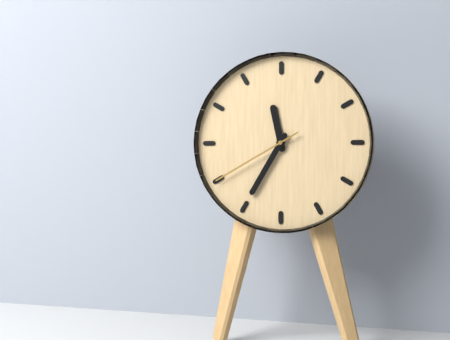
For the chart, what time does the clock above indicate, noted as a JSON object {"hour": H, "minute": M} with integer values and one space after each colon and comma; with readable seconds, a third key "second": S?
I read {"hour": 11, "minute": 35, "second": 40}
